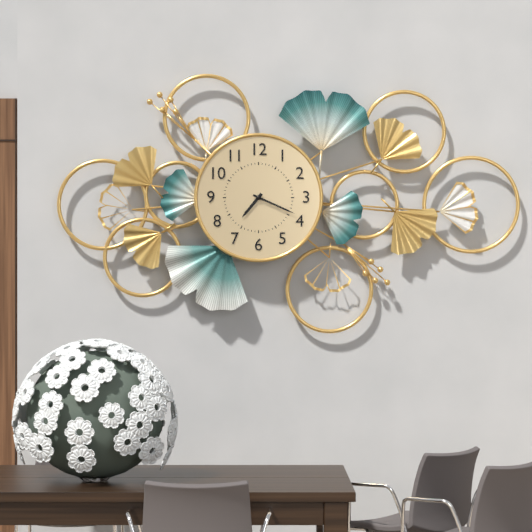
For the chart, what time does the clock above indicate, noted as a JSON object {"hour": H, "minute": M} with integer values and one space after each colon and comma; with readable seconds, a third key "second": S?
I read {"hour": 7, "minute": 19}
